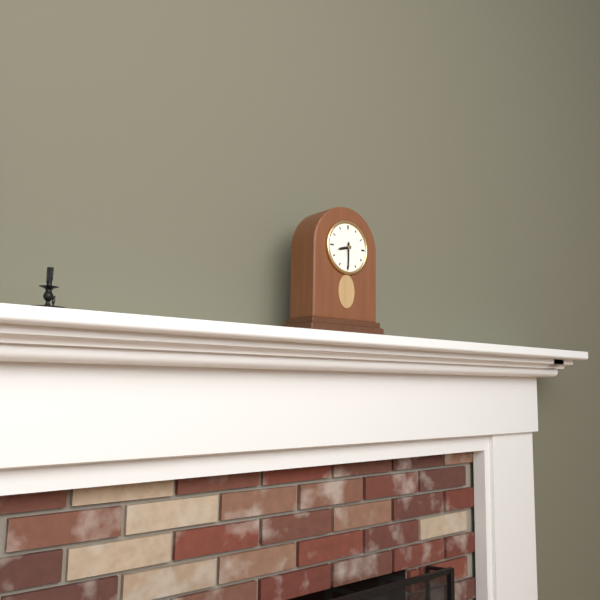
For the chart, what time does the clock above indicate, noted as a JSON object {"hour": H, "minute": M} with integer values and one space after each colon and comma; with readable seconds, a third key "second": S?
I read {"hour": 8, "minute": 30}
